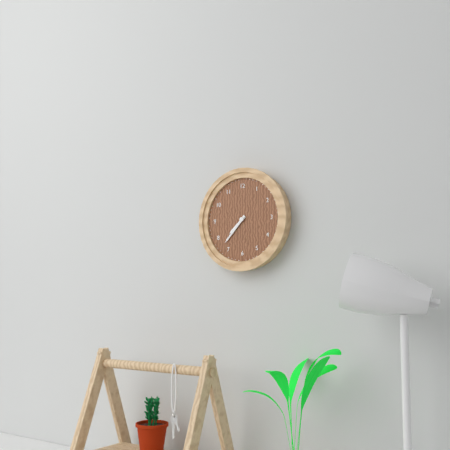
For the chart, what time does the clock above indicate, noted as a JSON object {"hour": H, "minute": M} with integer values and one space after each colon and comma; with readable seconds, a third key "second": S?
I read {"hour": 7, "minute": 37}
